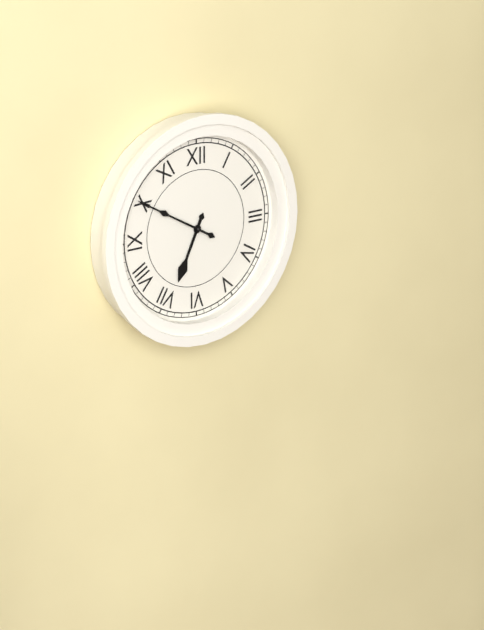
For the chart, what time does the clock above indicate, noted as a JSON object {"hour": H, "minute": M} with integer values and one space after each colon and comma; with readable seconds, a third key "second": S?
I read {"hour": 6, "minute": 50}
